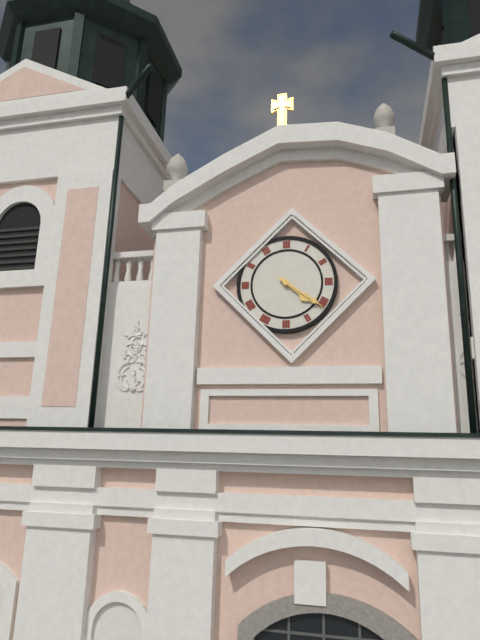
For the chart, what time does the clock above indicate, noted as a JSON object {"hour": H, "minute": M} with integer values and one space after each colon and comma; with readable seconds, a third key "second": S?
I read {"hour": 4, "minute": 21}
